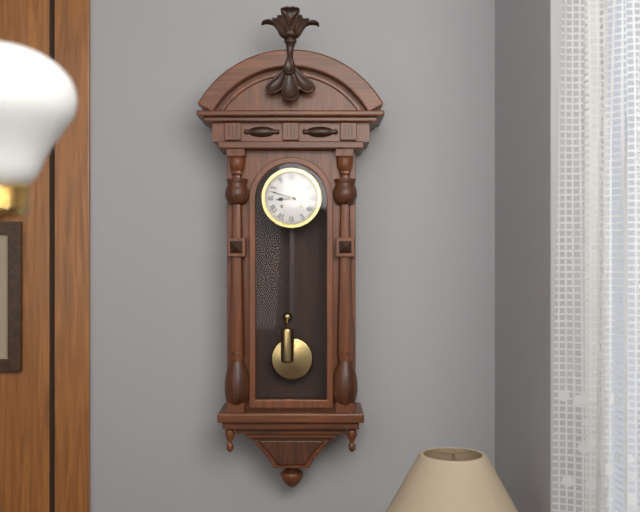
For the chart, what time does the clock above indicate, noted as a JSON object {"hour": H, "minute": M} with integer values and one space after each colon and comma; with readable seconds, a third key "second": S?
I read {"hour": 8, "minute": 48}
